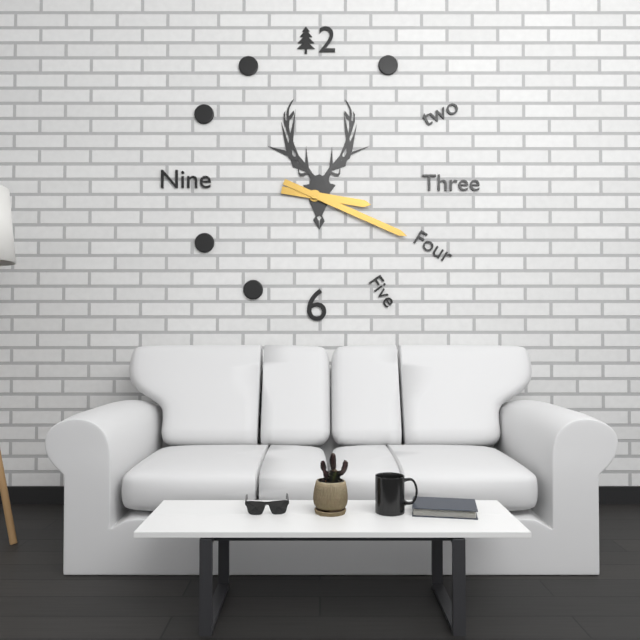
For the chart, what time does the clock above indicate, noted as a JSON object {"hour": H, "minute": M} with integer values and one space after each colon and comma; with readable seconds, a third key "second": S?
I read {"hour": 3, "minute": 19}
